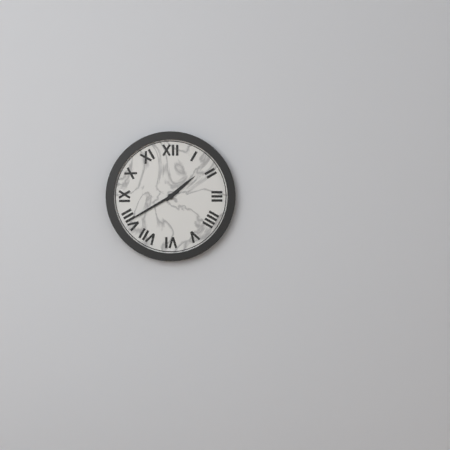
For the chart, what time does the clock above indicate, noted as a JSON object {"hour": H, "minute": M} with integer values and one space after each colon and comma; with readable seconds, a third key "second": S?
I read {"hour": 1, "minute": 40}
